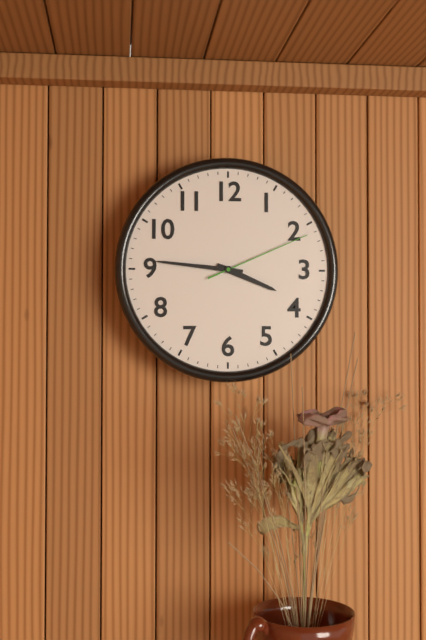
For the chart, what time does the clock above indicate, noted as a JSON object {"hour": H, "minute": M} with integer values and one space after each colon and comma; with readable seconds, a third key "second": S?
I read {"hour": 3, "minute": 46, "second": 11}
